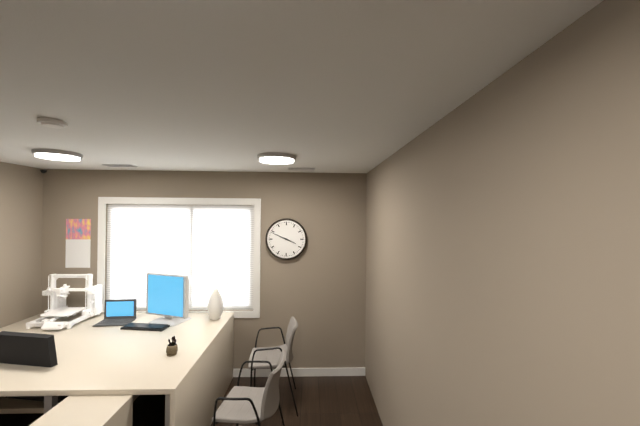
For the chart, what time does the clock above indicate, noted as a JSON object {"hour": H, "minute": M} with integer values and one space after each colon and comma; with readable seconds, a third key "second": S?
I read {"hour": 3, "minute": 49}
